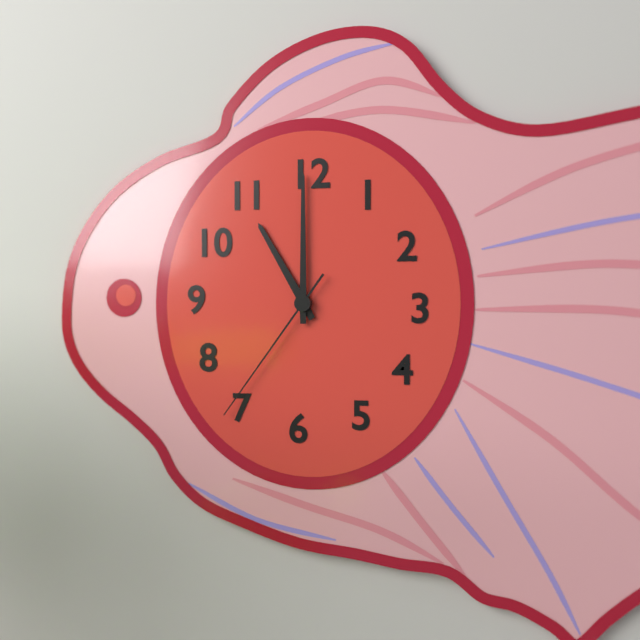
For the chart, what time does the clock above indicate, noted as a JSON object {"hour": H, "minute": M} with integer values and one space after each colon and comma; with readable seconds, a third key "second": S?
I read {"hour": 11, "minute": 0, "second": 36}
